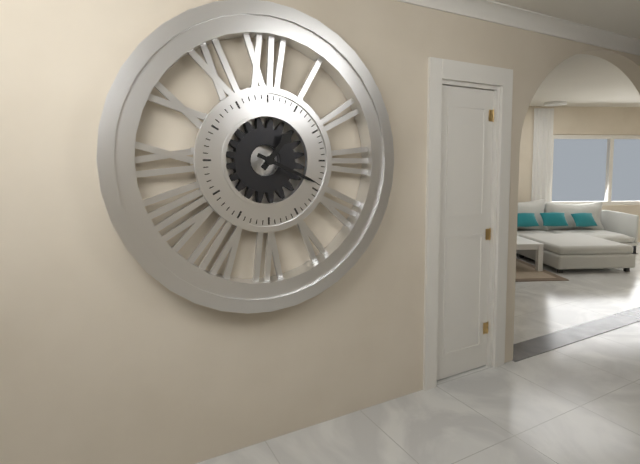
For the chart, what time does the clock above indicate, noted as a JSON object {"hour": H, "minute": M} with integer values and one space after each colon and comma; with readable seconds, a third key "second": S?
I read {"hour": 1, "minute": 19}
